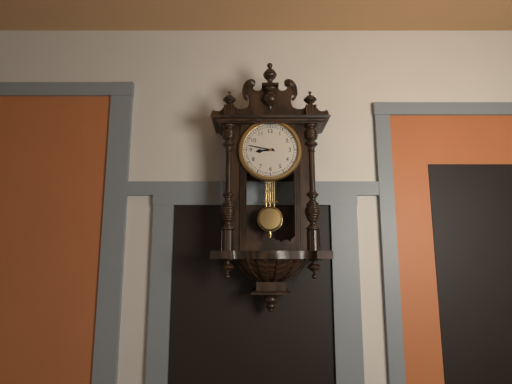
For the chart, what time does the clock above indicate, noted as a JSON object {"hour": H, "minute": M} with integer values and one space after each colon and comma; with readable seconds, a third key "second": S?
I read {"hour": 8, "minute": 47}
